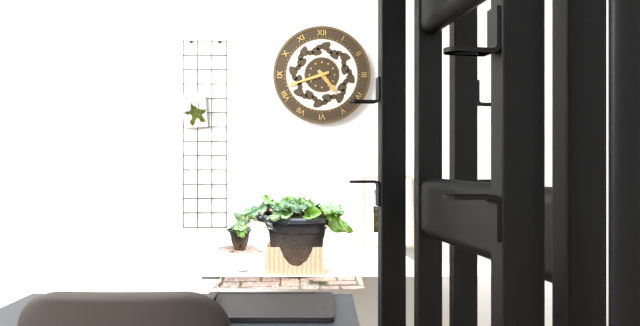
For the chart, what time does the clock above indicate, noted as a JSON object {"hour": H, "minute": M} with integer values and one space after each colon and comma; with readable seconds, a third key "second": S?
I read {"hour": 4, "minute": 42}
